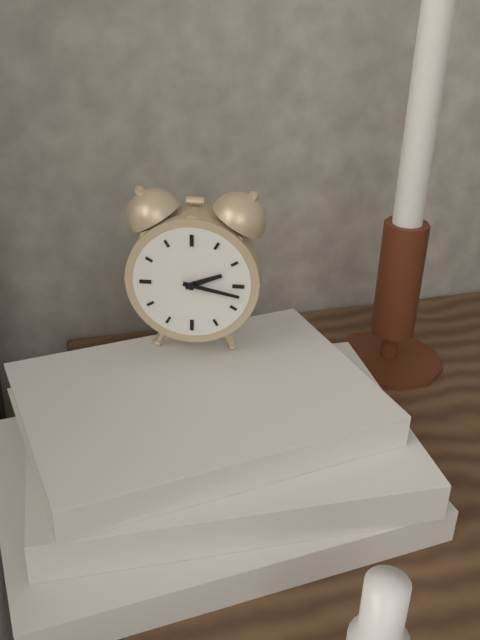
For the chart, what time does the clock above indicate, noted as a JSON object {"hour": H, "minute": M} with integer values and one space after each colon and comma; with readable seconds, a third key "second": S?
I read {"hour": 2, "minute": 17}
